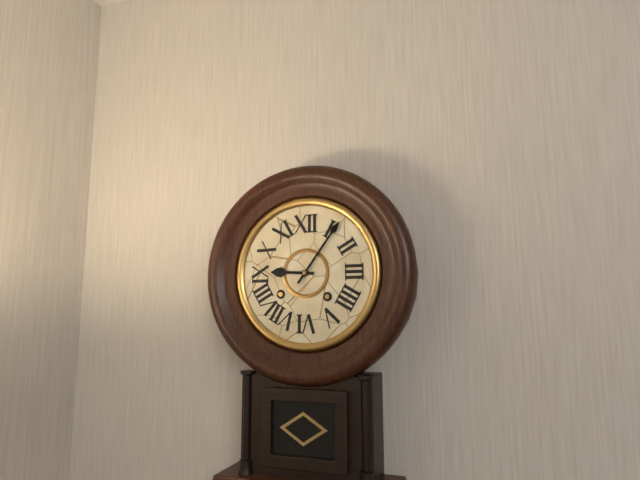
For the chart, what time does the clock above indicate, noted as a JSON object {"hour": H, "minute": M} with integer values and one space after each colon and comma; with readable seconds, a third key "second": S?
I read {"hour": 9, "minute": 6}
